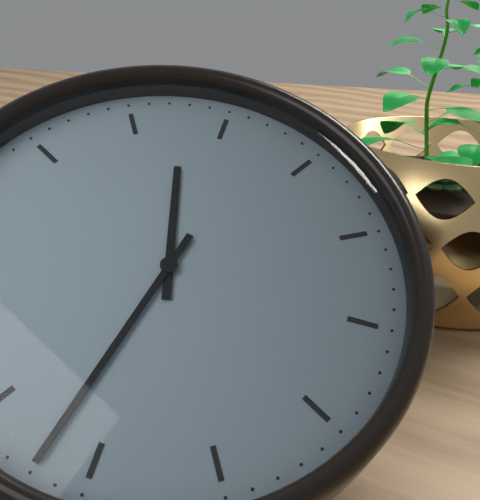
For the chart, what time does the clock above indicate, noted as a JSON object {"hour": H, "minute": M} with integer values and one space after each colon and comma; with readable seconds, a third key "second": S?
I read {"hour": 11, "minute": 32}
